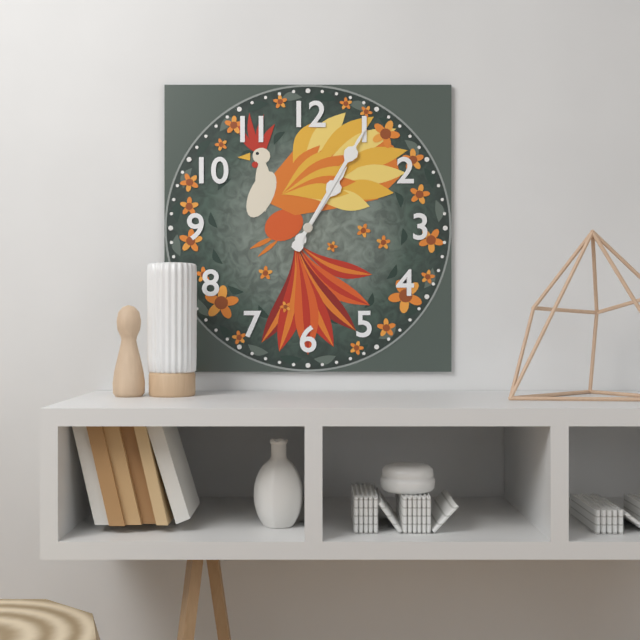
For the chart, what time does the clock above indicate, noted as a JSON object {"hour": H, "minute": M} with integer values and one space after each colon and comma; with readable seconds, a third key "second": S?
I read {"hour": 1, "minute": 5}
